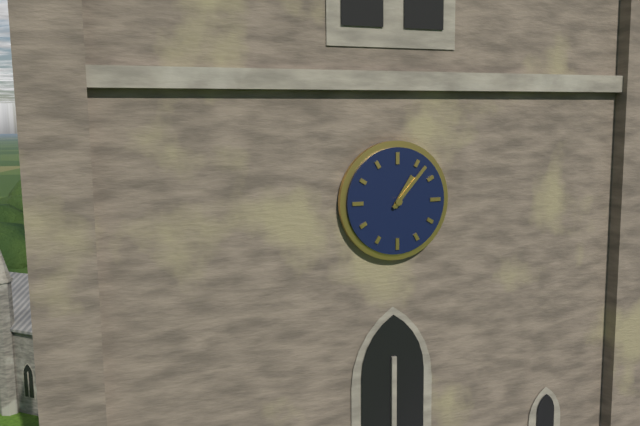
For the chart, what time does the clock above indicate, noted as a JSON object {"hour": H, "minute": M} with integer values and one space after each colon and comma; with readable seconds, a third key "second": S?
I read {"hour": 1, "minute": 7}
